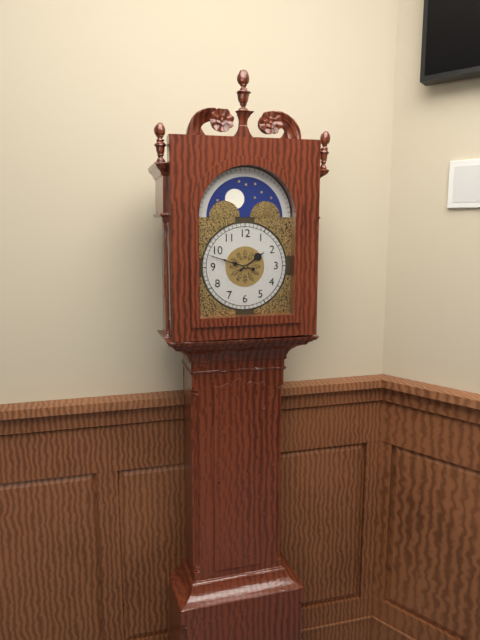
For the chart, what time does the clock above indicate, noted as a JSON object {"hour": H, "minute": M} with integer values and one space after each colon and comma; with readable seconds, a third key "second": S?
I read {"hour": 1, "minute": 48}
